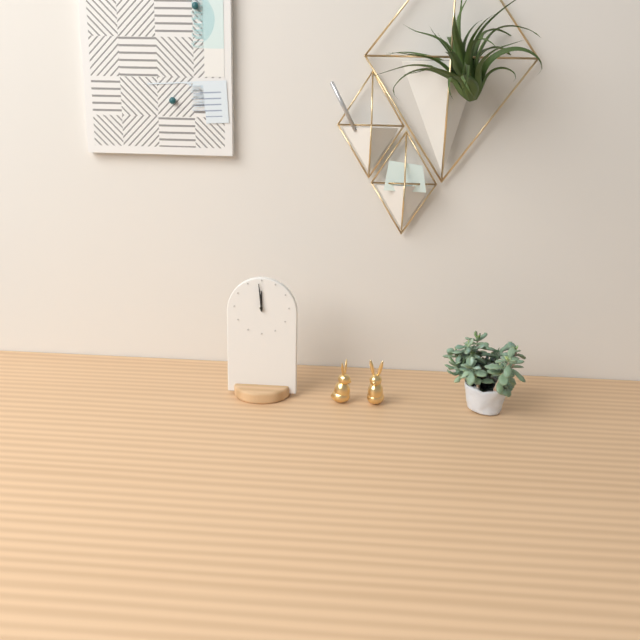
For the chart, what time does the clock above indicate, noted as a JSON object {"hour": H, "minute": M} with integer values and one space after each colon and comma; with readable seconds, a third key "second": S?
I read {"hour": 11, "minute": 59}
